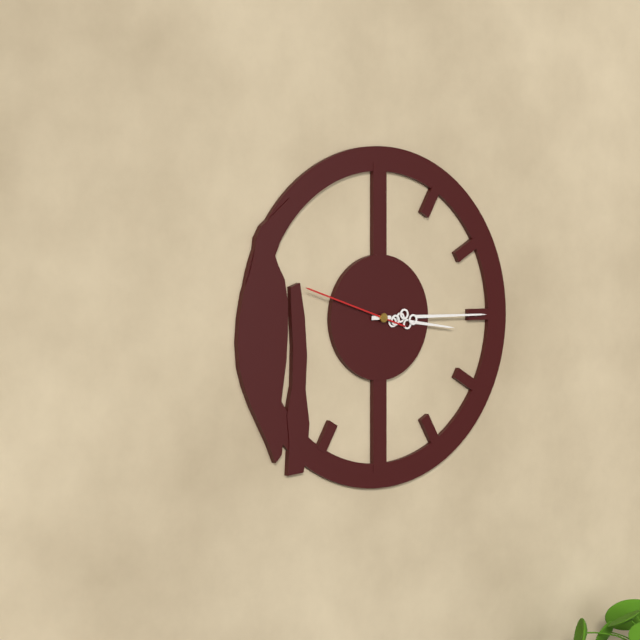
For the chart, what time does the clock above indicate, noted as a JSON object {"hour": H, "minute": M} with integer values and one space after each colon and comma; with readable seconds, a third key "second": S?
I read {"hour": 3, "minute": 15, "second": 48}
